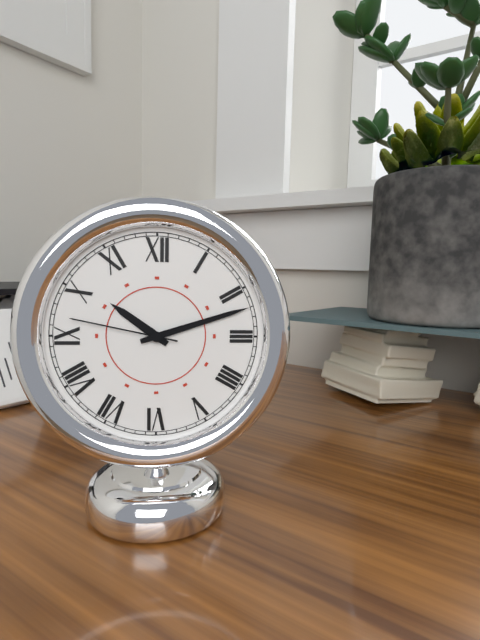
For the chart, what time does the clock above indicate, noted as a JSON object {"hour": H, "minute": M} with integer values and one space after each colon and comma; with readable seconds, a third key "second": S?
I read {"hour": 10, "minute": 12, "second": 47}
